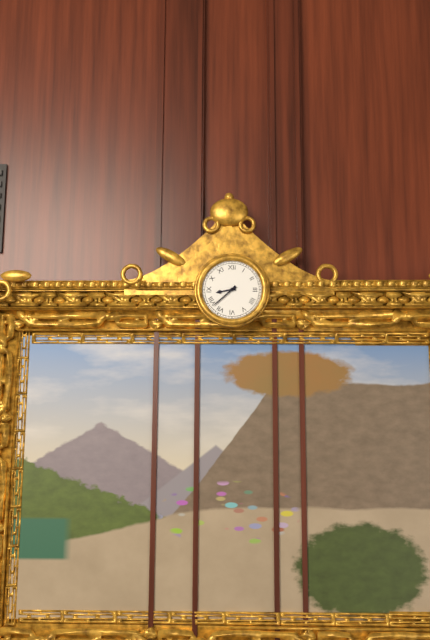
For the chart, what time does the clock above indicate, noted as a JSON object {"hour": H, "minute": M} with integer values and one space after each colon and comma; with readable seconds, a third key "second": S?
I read {"hour": 8, "minute": 38}
